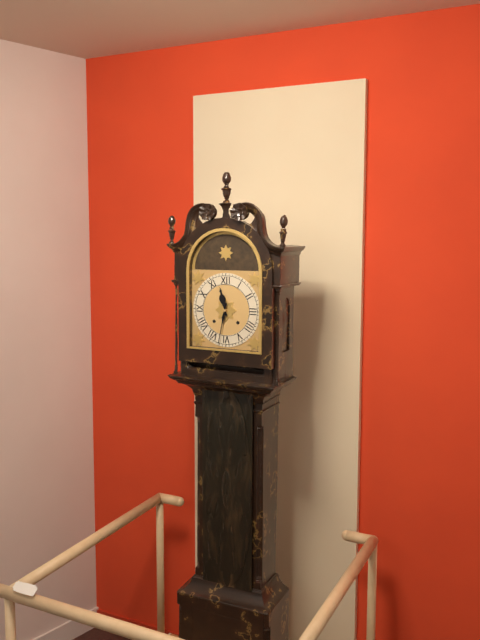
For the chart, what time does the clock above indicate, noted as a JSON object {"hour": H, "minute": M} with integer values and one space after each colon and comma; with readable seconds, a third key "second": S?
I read {"hour": 11, "minute": 32}
